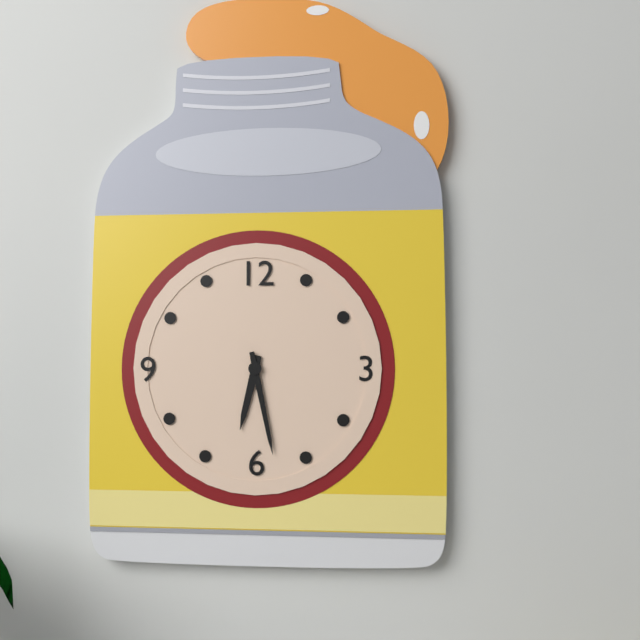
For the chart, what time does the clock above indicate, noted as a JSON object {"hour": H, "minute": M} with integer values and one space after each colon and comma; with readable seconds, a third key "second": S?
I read {"hour": 6, "minute": 28}
